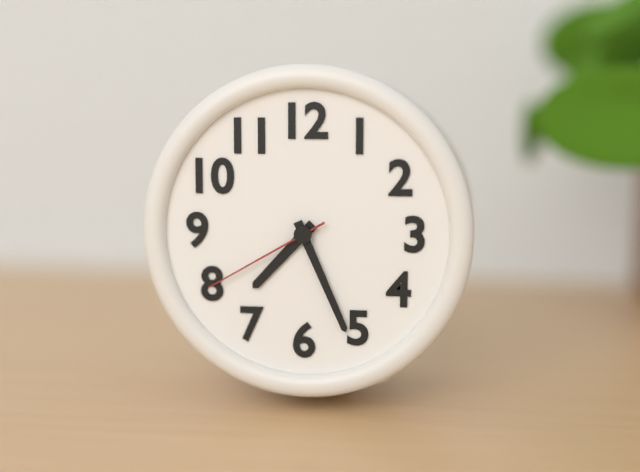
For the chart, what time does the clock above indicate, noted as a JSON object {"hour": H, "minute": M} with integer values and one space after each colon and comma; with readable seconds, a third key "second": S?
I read {"hour": 7, "minute": 26, "second": 40}
